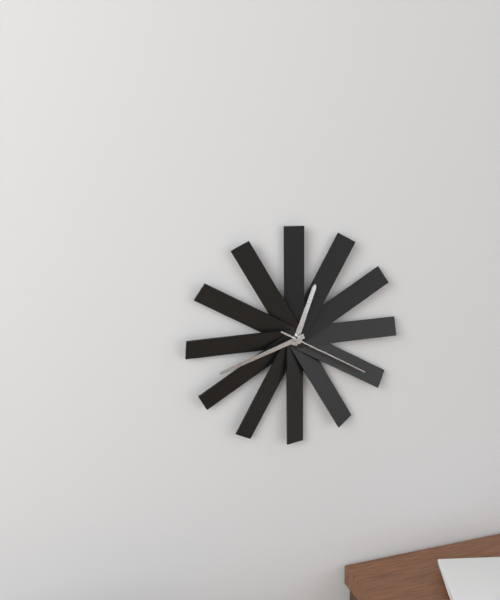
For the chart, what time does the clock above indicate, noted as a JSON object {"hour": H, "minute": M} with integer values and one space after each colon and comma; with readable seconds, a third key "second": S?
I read {"hour": 12, "minute": 42, "second": 20}
